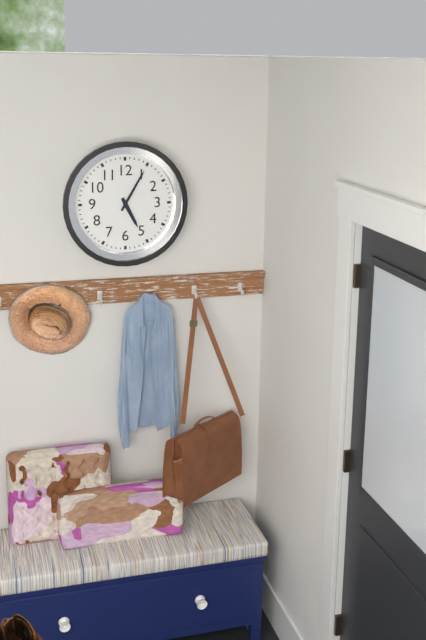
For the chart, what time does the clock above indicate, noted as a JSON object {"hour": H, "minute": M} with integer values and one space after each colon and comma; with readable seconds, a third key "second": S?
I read {"hour": 5, "minute": 5}
